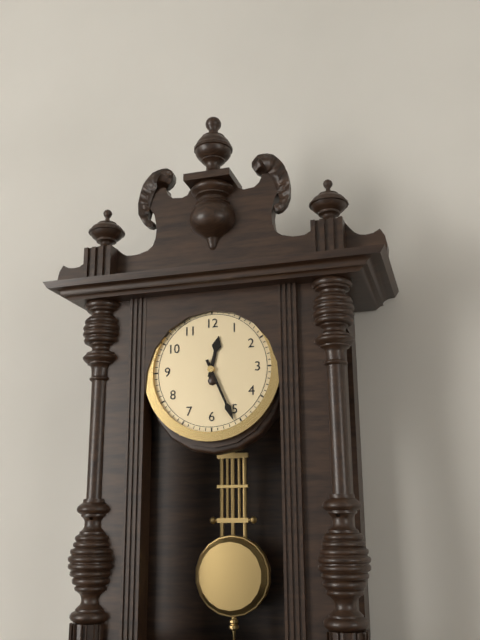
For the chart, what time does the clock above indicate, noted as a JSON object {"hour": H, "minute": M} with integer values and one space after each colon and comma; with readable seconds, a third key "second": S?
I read {"hour": 12, "minute": 26}
